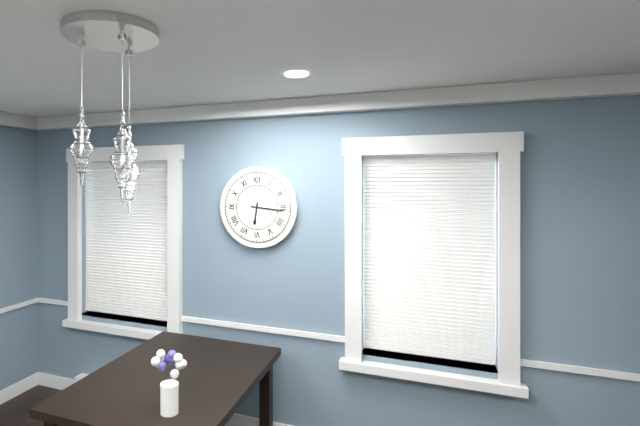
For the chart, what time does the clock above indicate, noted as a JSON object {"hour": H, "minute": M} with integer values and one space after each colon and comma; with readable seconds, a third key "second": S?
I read {"hour": 6, "minute": 16}
